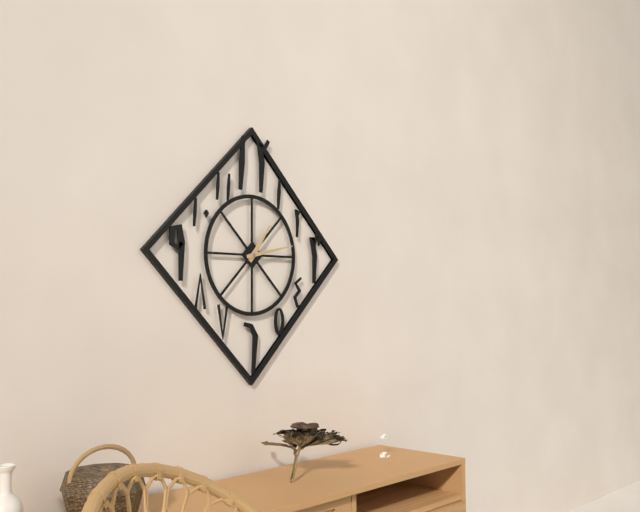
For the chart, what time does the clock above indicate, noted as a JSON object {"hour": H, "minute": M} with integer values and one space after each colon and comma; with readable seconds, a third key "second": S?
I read {"hour": 1, "minute": 13}
